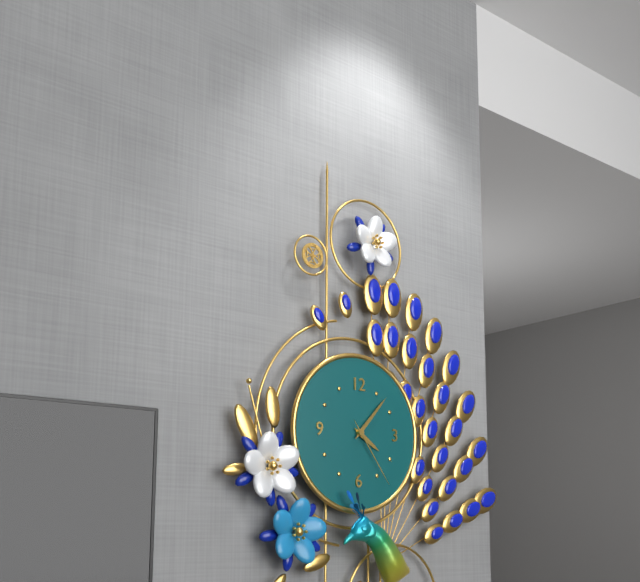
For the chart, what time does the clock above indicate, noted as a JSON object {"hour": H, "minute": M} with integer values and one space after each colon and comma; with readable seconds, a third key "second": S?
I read {"hour": 4, "minute": 7, "second": 24}
